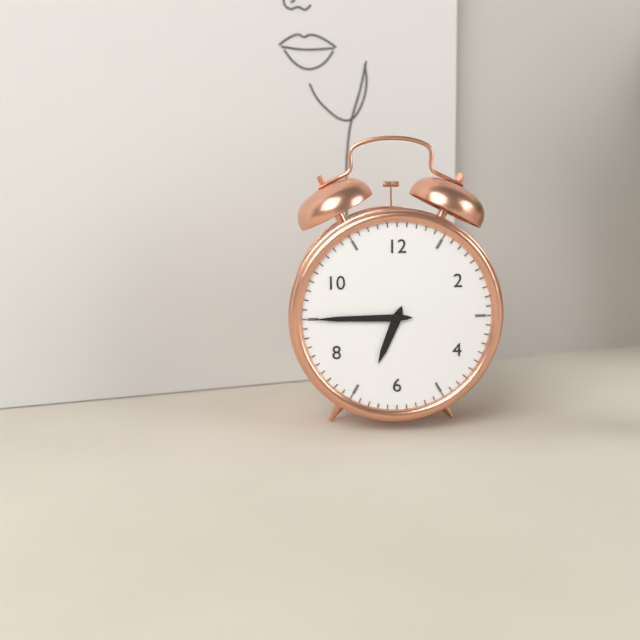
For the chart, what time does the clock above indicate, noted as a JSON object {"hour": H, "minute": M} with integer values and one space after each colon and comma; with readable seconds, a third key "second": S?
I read {"hour": 6, "minute": 45}
